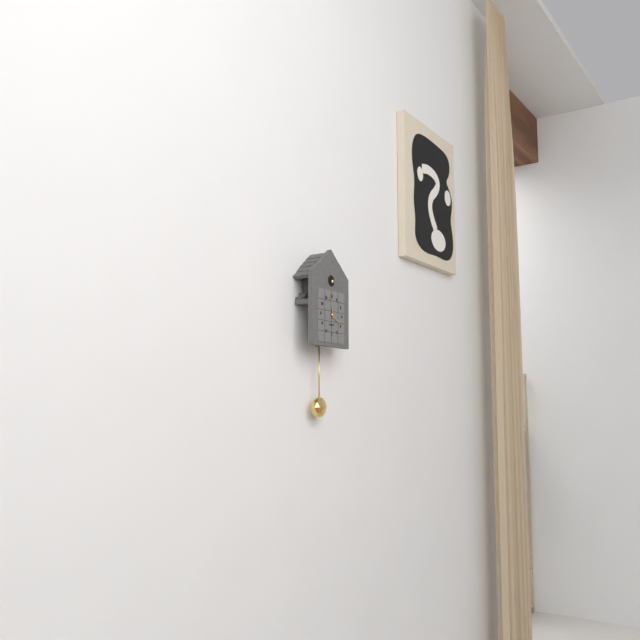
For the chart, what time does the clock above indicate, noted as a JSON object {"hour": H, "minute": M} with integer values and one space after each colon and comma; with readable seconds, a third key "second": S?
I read {"hour": 3, "minute": 58}
